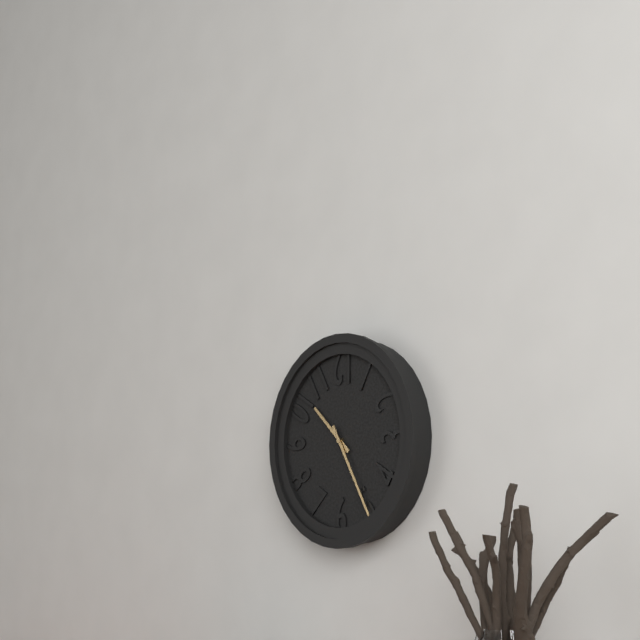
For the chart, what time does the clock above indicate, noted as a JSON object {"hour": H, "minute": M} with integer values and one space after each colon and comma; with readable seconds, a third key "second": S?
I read {"hour": 10, "minute": 25}
